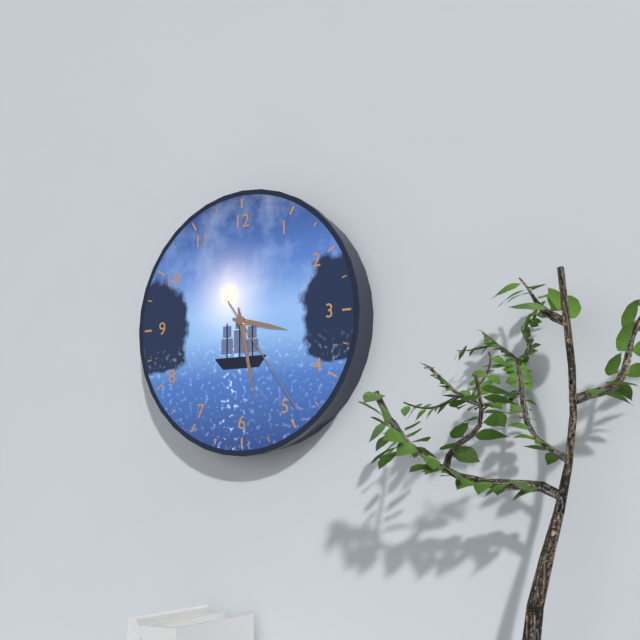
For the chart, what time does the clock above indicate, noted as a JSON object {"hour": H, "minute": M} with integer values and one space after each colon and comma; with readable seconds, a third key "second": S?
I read {"hour": 3, "minute": 28, "second": 24}
